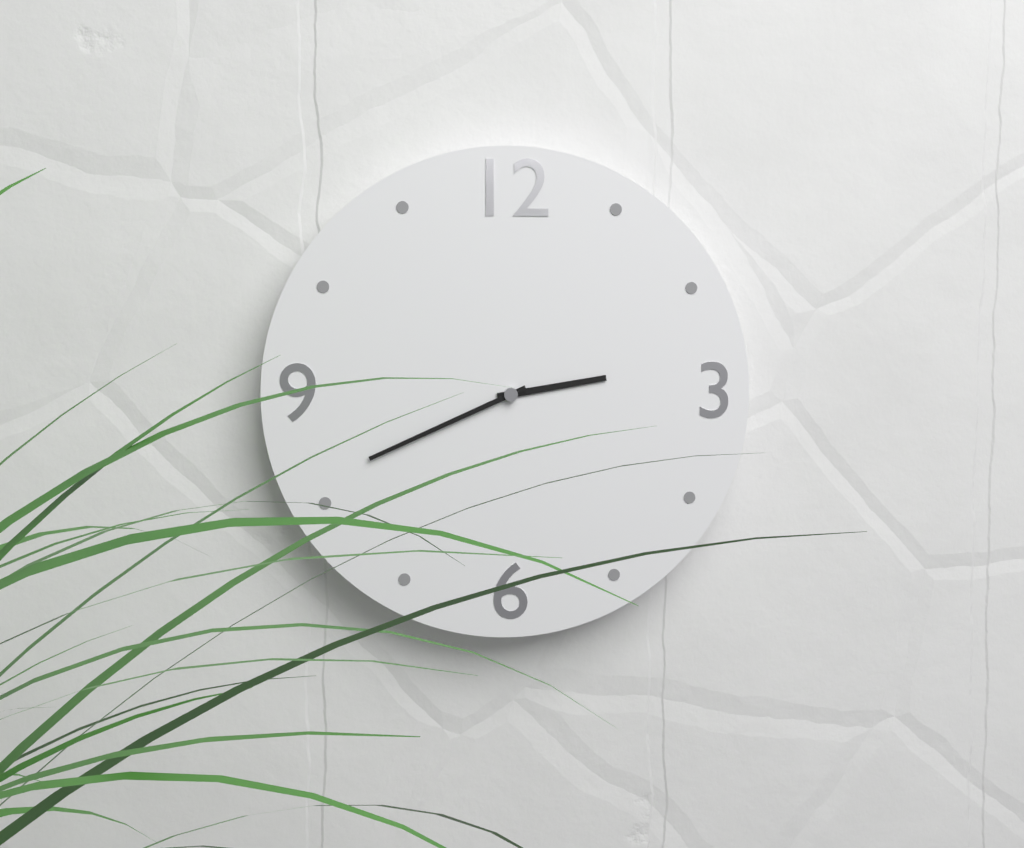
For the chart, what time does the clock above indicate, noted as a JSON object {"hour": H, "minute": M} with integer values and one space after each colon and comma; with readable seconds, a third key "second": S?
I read {"hour": 2, "minute": 41}
